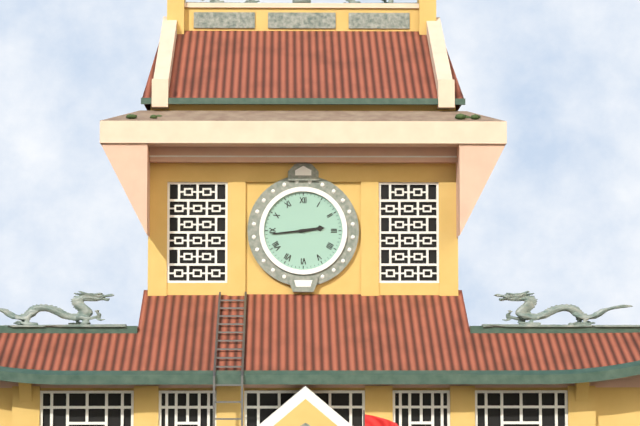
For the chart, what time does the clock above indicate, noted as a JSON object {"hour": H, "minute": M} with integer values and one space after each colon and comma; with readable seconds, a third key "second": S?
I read {"hour": 2, "minute": 44}
